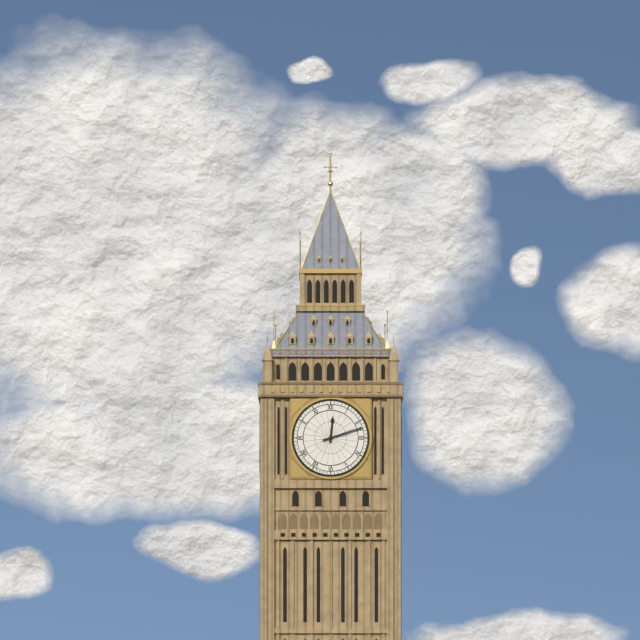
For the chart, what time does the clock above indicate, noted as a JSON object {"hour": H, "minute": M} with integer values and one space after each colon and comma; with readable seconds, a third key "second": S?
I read {"hour": 12, "minute": 12}
